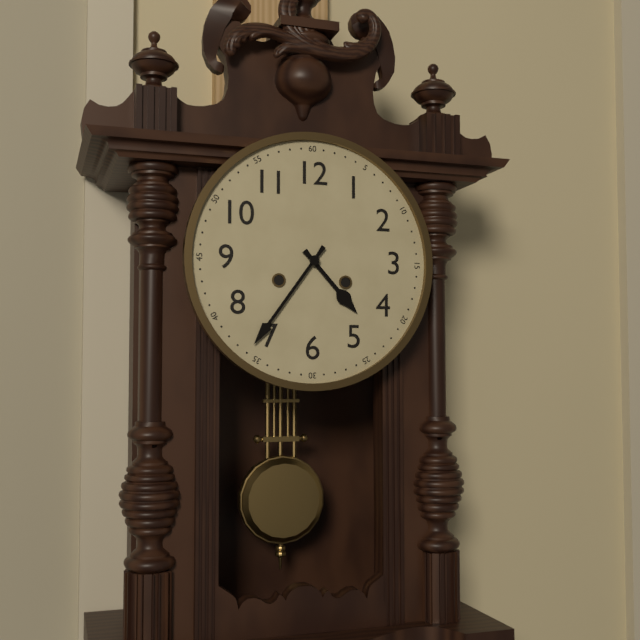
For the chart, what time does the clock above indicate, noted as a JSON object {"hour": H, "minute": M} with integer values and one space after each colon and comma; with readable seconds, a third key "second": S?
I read {"hour": 4, "minute": 36}
